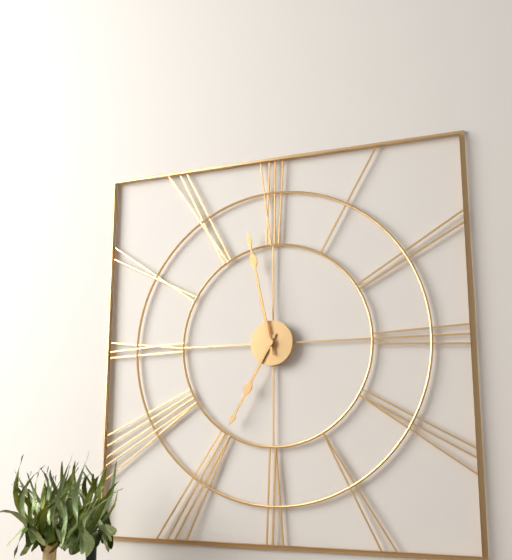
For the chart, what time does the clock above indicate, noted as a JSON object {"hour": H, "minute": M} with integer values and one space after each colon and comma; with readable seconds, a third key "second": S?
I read {"hour": 6, "minute": 58}
